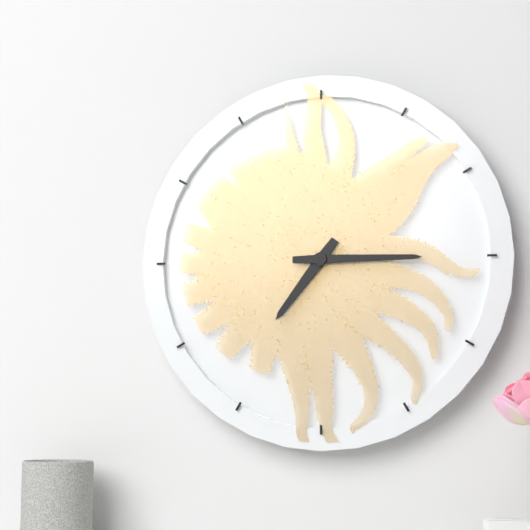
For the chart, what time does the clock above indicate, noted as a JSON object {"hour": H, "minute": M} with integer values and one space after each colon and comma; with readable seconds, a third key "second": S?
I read {"hour": 7, "minute": 15}
